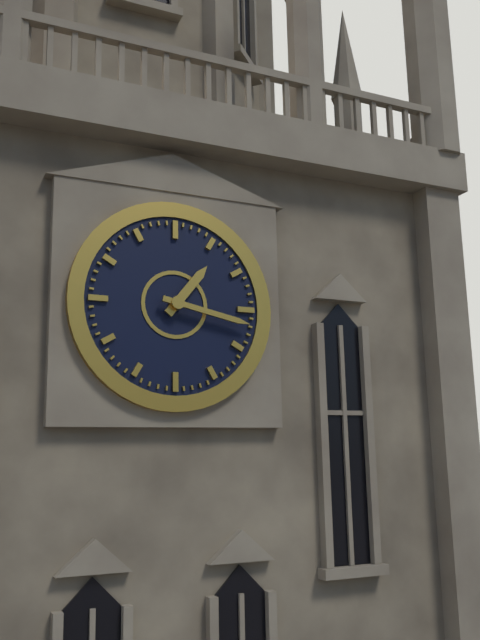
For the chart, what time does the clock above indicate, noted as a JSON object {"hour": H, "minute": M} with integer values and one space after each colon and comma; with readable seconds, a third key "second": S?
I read {"hour": 1, "minute": 17}
